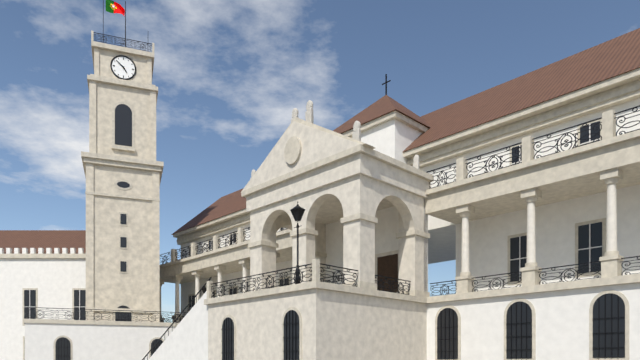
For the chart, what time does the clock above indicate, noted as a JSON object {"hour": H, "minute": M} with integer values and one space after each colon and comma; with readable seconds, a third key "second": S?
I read {"hour": 4, "minute": 52}
